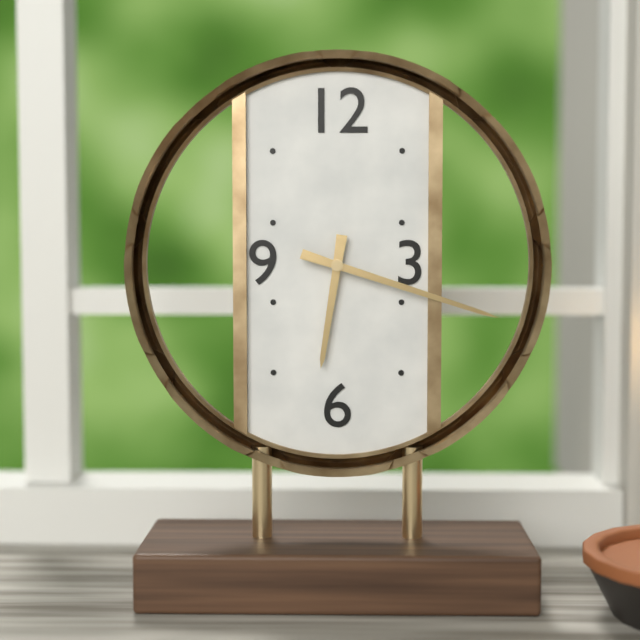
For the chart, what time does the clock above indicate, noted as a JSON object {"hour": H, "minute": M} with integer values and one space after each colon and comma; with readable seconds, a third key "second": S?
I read {"hour": 6, "minute": 18}
